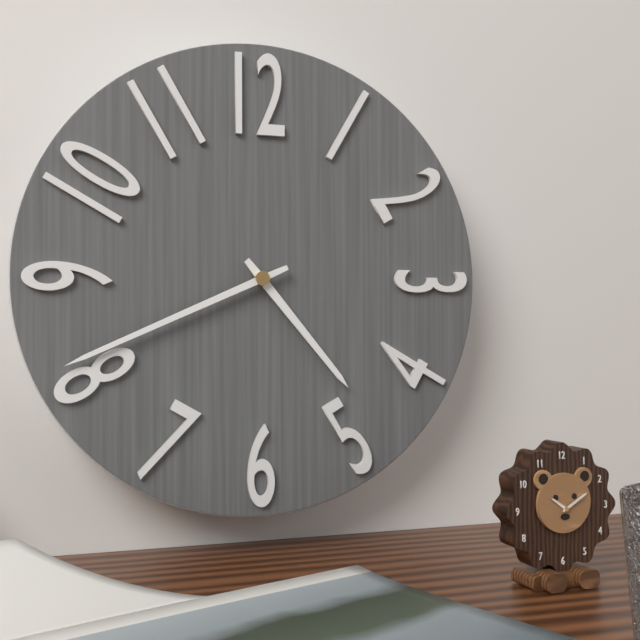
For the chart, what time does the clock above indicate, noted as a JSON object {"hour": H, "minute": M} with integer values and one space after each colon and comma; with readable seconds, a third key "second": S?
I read {"hour": 4, "minute": 41}
